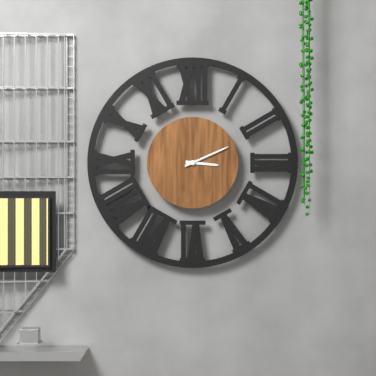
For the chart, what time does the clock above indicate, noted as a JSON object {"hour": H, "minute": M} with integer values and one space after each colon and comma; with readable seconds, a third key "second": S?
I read {"hour": 3, "minute": 11}
